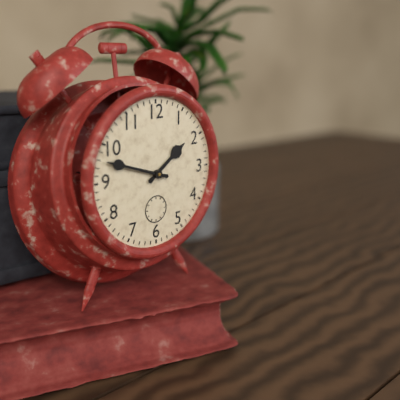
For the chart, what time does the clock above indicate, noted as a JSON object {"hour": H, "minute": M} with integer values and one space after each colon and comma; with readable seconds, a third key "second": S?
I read {"hour": 1, "minute": 48}
